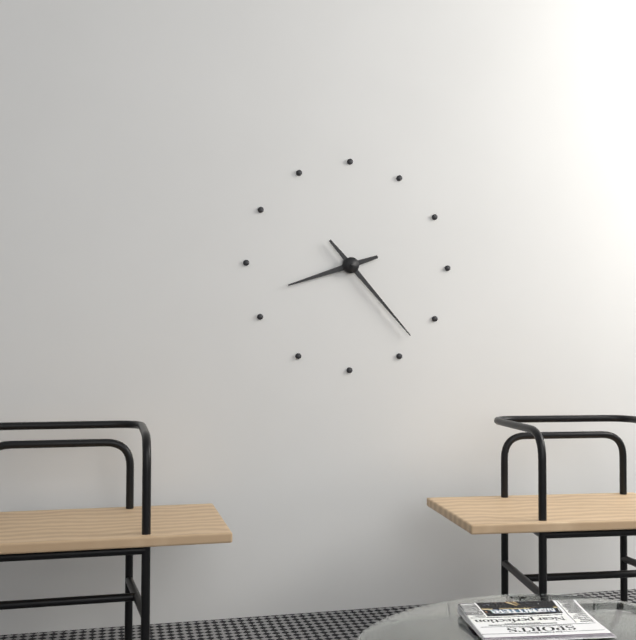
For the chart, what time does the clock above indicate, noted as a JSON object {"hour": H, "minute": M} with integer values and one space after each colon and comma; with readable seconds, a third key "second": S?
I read {"hour": 8, "minute": 23}
